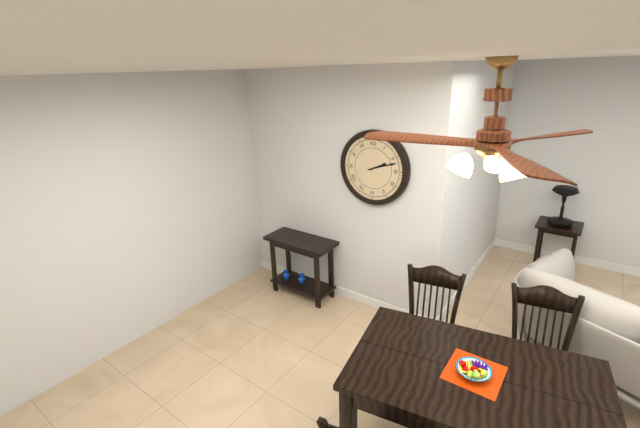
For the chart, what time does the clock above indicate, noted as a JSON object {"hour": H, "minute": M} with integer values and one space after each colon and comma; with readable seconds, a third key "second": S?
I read {"hour": 2, "minute": 12}
